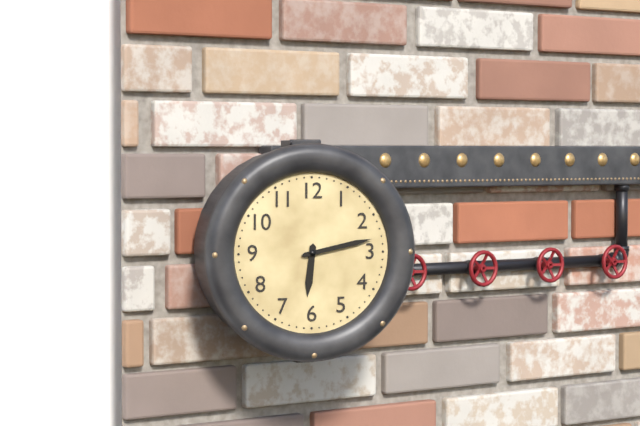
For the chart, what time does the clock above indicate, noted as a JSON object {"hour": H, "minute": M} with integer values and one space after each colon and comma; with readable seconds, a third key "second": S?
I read {"hour": 6, "minute": 13}
